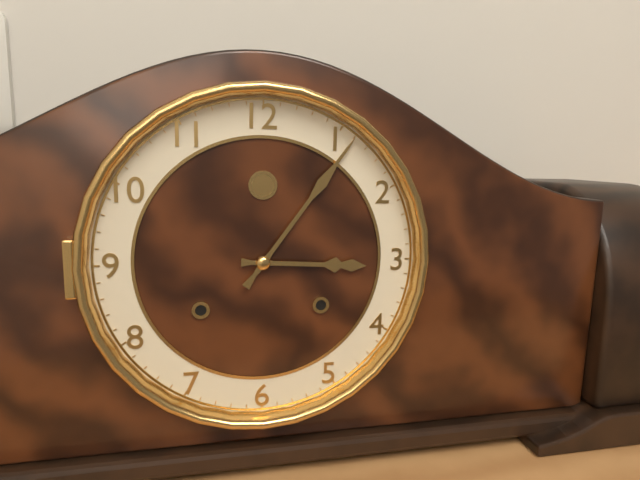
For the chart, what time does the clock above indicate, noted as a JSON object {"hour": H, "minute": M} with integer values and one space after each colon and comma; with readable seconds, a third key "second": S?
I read {"hour": 3, "minute": 6}
